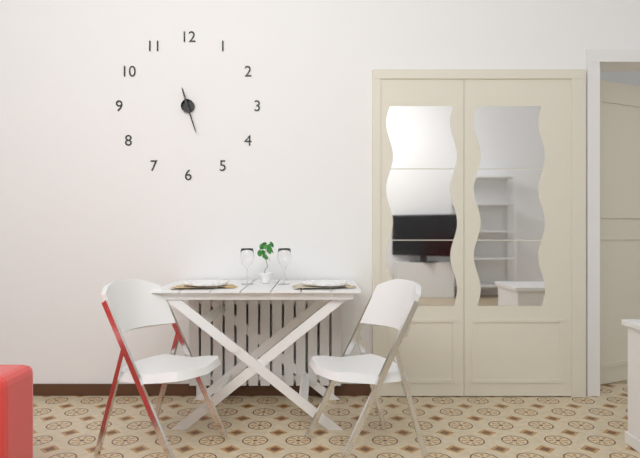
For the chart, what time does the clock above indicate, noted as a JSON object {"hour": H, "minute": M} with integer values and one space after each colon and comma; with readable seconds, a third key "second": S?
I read {"hour": 11, "minute": 27}
